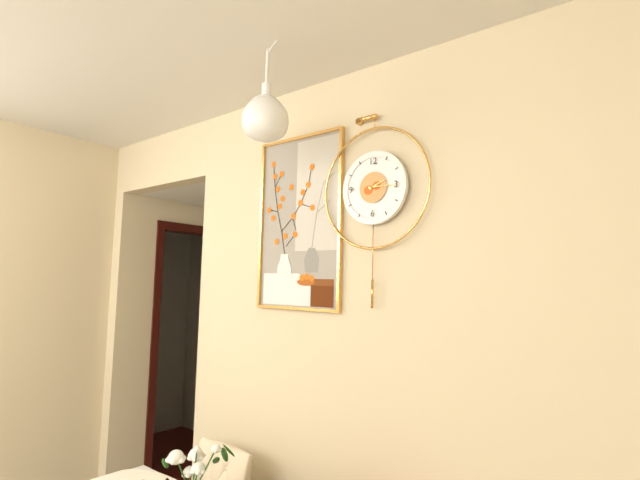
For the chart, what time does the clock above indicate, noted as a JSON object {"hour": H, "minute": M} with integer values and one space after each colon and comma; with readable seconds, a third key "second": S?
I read {"hour": 2, "minute": 15}
